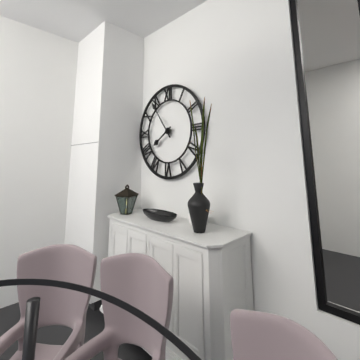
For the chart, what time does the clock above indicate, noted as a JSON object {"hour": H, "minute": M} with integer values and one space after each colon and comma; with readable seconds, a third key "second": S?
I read {"hour": 7, "minute": 54}
